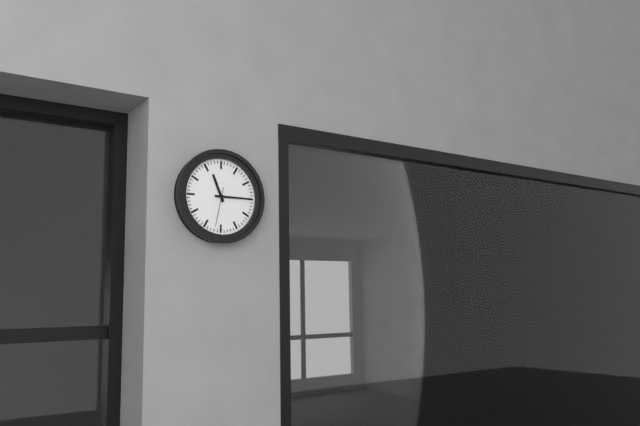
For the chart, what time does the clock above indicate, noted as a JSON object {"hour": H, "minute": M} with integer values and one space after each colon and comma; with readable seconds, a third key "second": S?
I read {"hour": 11, "minute": 15}
